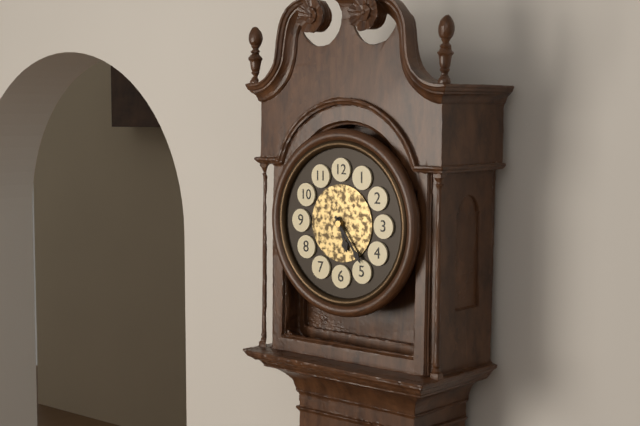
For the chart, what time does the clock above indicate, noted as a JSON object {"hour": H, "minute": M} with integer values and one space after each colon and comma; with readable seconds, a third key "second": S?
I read {"hour": 5, "minute": 24}
